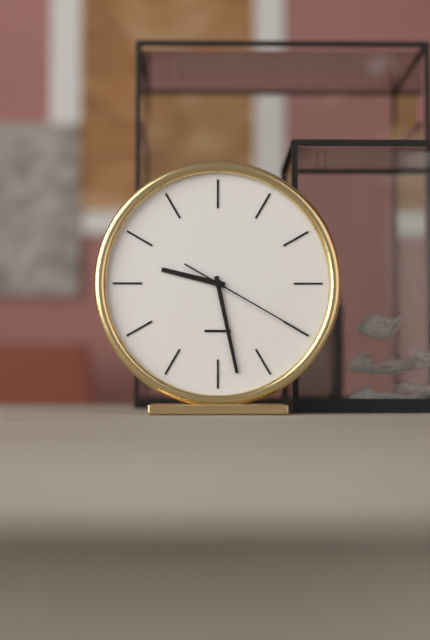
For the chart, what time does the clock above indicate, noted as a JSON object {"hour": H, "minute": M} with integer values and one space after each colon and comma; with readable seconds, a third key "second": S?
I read {"hour": 9, "minute": 28, "second": 20}
